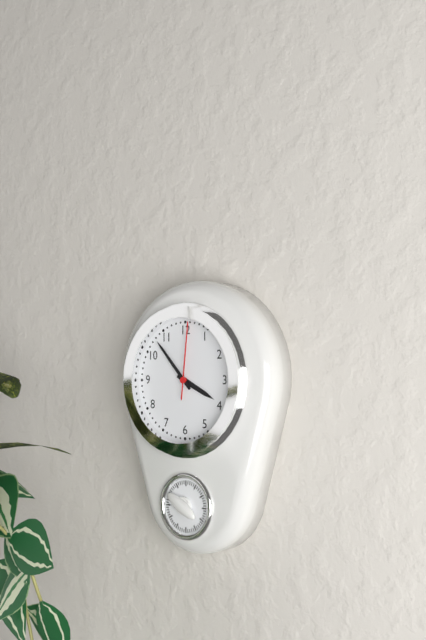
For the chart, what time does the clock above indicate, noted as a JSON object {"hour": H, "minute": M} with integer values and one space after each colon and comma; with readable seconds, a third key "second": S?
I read {"hour": 3, "minute": 53, "second": 1}
